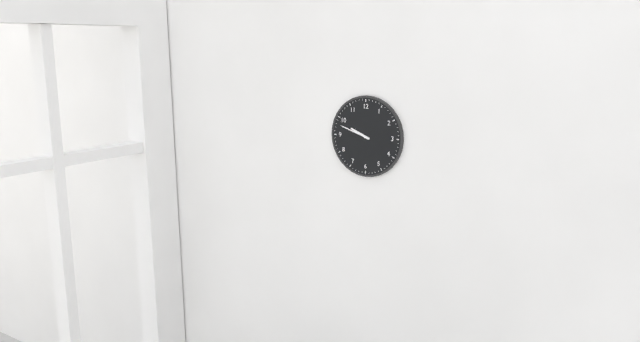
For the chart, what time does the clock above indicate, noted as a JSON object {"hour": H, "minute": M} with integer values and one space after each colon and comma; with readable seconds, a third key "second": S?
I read {"hour": 9, "minute": 48}
